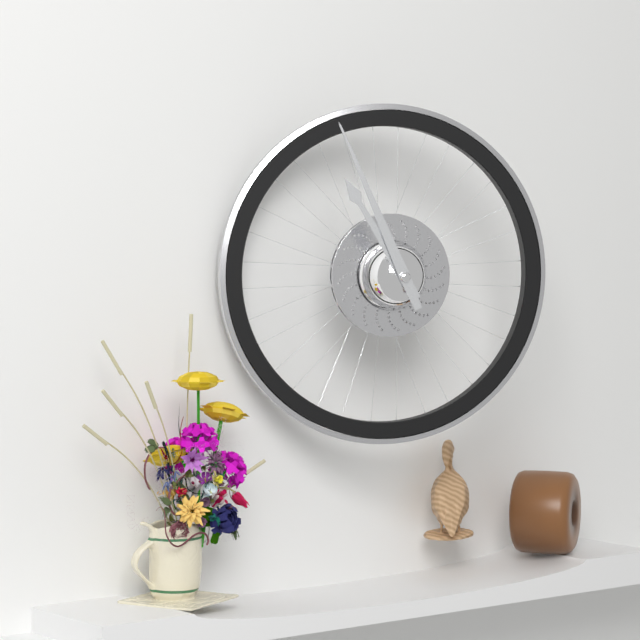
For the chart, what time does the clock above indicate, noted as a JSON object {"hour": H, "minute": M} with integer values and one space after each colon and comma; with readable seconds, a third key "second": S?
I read {"hour": 10, "minute": 56}
